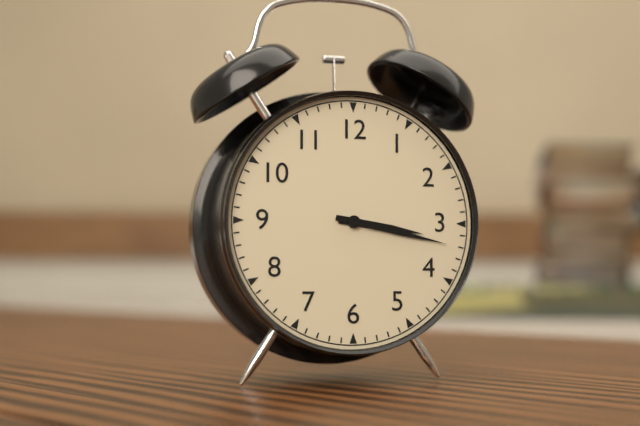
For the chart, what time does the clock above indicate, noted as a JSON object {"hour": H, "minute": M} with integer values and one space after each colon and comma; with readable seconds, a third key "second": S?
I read {"hour": 3, "minute": 17}
